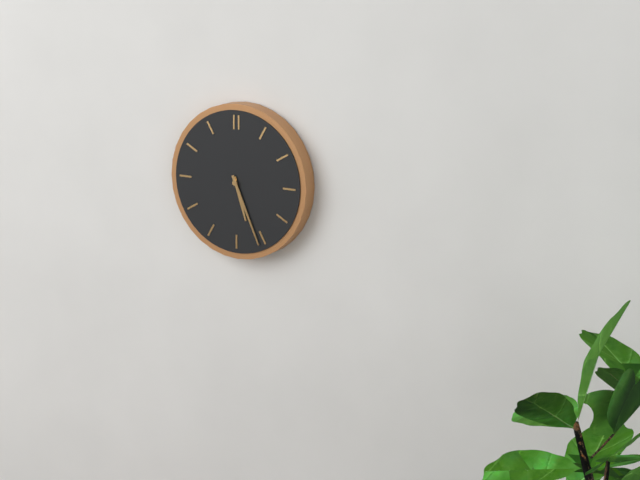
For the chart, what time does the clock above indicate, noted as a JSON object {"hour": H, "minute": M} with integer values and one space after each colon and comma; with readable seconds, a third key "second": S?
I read {"hour": 5, "minute": 26}
